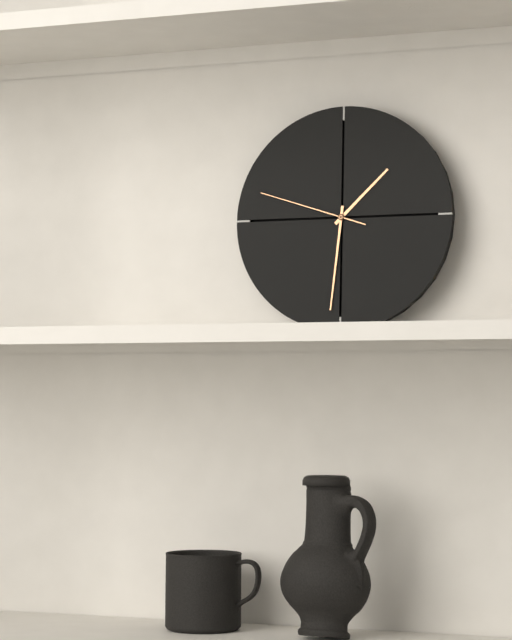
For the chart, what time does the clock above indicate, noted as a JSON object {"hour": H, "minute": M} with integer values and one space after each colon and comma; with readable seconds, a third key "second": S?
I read {"hour": 1, "minute": 31, "second": 48}
